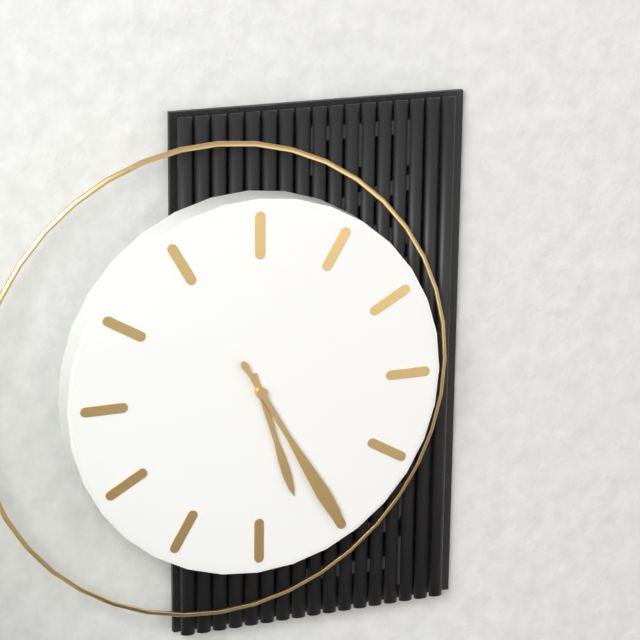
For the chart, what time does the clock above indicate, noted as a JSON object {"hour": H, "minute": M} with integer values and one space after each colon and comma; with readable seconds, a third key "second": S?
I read {"hour": 5, "minute": 25}
